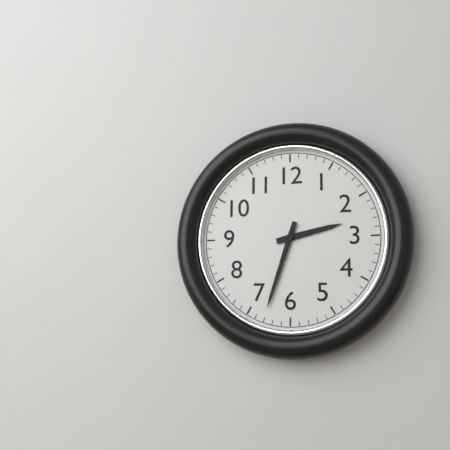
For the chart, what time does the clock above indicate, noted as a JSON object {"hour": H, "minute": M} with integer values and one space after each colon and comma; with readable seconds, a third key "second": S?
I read {"hour": 2, "minute": 33}
